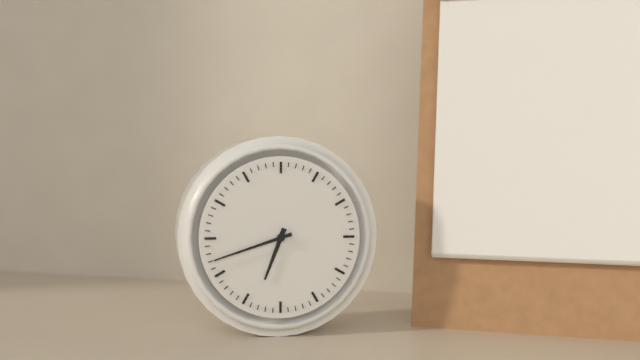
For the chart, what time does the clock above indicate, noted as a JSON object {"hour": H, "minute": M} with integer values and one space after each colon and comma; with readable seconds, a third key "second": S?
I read {"hour": 6, "minute": 42}
